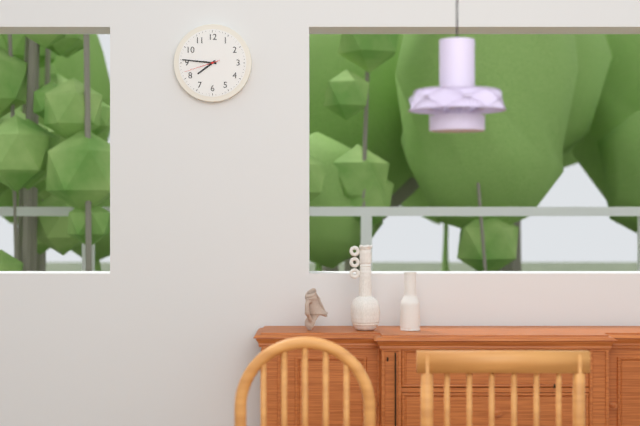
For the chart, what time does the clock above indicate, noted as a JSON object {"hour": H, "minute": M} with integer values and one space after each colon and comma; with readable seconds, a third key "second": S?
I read {"hour": 7, "minute": 46}
